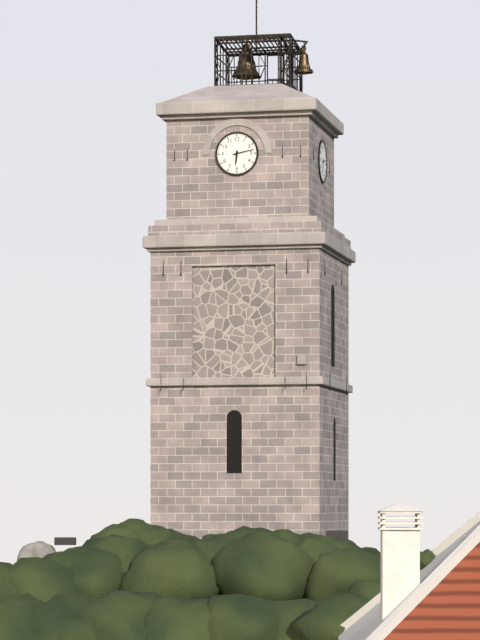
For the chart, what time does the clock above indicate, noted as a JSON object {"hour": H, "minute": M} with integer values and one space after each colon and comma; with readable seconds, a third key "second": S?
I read {"hour": 6, "minute": 13}
